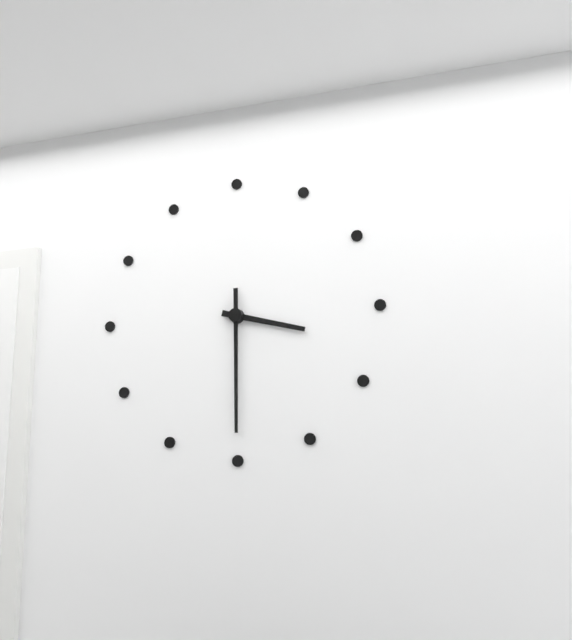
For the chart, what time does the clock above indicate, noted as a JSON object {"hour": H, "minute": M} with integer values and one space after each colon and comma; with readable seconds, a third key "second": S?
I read {"hour": 3, "minute": 30}
